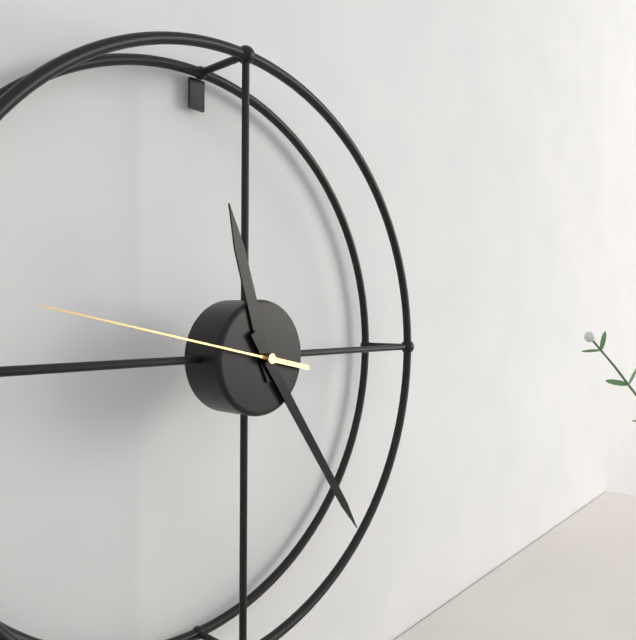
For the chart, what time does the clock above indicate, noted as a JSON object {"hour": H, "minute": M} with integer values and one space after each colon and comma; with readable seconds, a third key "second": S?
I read {"hour": 11, "minute": 24, "second": 47}
